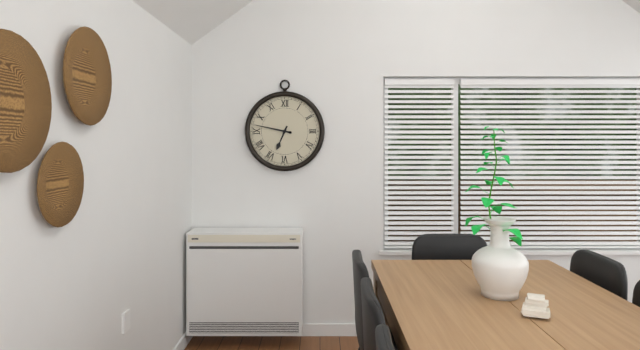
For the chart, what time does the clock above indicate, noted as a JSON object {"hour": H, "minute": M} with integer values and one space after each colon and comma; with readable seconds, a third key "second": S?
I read {"hour": 6, "minute": 47}
